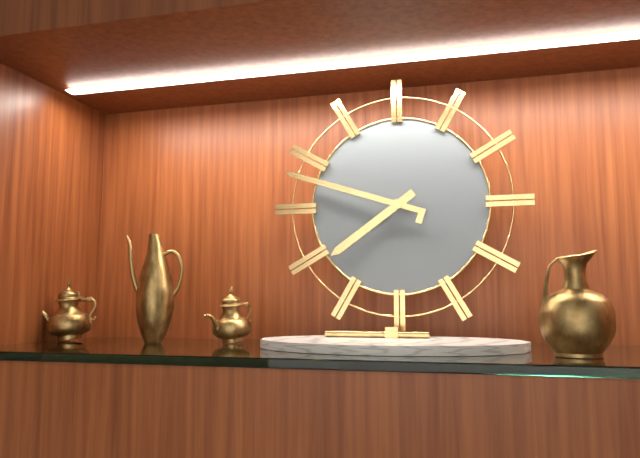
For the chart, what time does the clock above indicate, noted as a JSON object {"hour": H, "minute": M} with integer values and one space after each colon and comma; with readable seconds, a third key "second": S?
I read {"hour": 7, "minute": 48}
